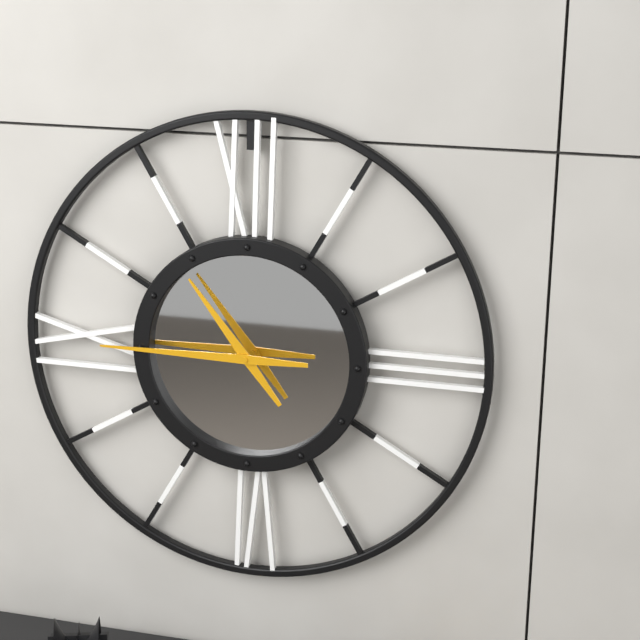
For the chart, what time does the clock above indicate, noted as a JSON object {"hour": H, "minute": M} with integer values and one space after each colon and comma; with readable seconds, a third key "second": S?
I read {"hour": 10, "minute": 45}
